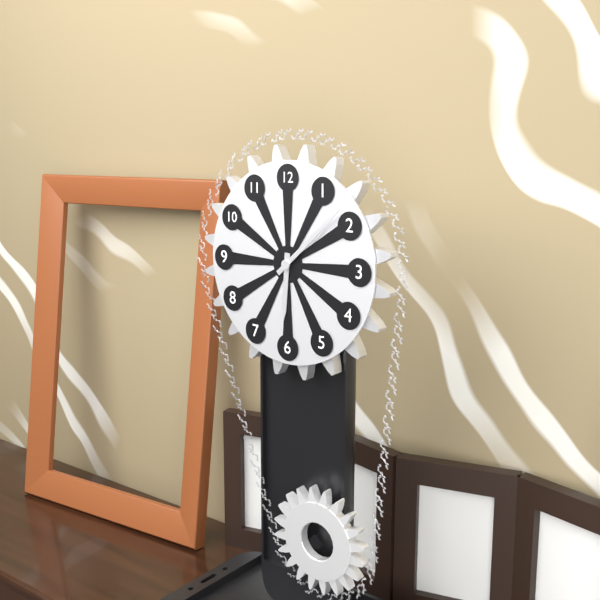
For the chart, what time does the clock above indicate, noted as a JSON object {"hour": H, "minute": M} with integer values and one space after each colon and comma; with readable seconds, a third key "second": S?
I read {"hour": 6, "minute": 8}
